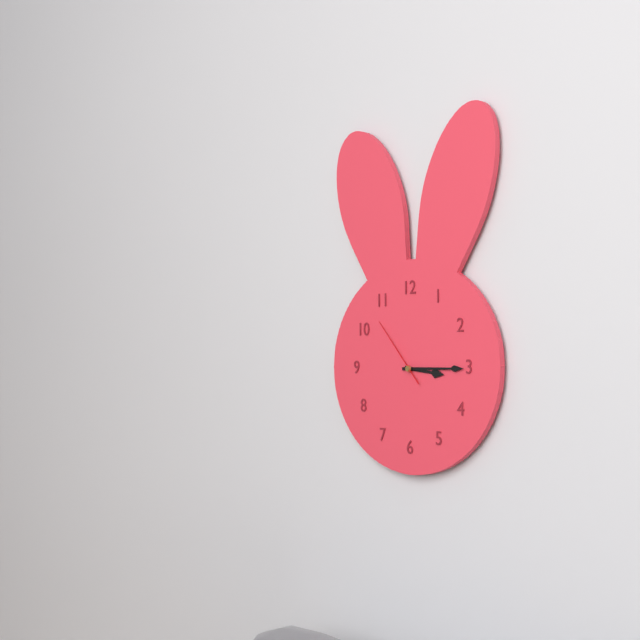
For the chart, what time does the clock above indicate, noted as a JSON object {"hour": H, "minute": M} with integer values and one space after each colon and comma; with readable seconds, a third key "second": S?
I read {"hour": 3, "minute": 15, "second": 53}
